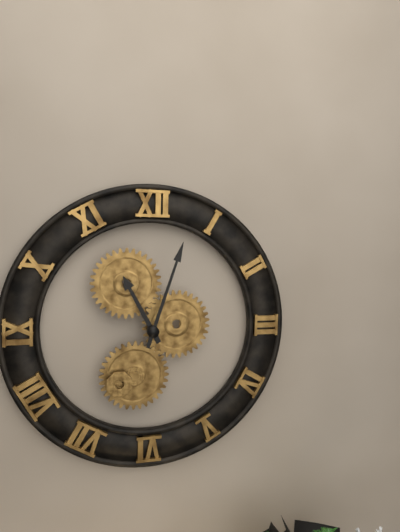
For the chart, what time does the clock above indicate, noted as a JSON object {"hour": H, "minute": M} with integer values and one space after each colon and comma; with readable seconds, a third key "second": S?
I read {"hour": 11, "minute": 3}
